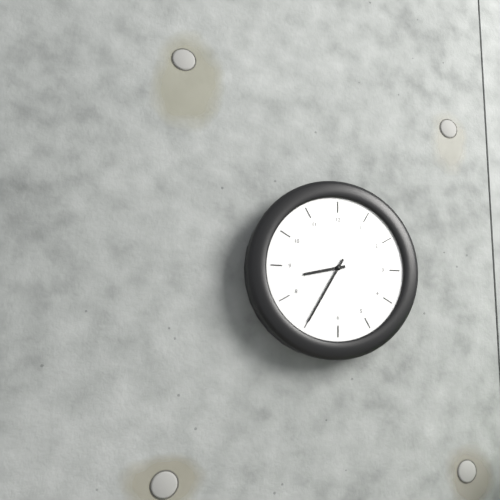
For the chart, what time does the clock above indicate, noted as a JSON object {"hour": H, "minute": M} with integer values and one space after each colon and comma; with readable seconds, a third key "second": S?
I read {"hour": 8, "minute": 35}
